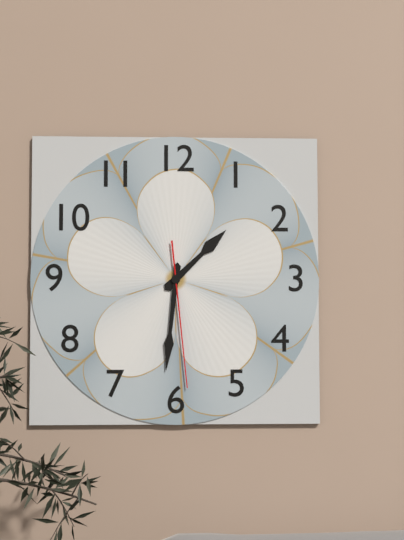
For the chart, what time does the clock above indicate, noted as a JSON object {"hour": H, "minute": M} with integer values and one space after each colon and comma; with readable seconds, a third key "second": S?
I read {"hour": 1, "minute": 31, "second": 29}
